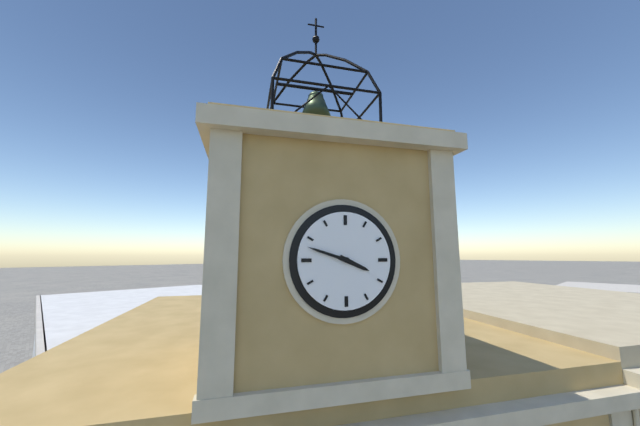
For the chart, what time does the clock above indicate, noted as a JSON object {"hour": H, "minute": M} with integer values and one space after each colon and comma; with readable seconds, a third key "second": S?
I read {"hour": 3, "minute": 48}
